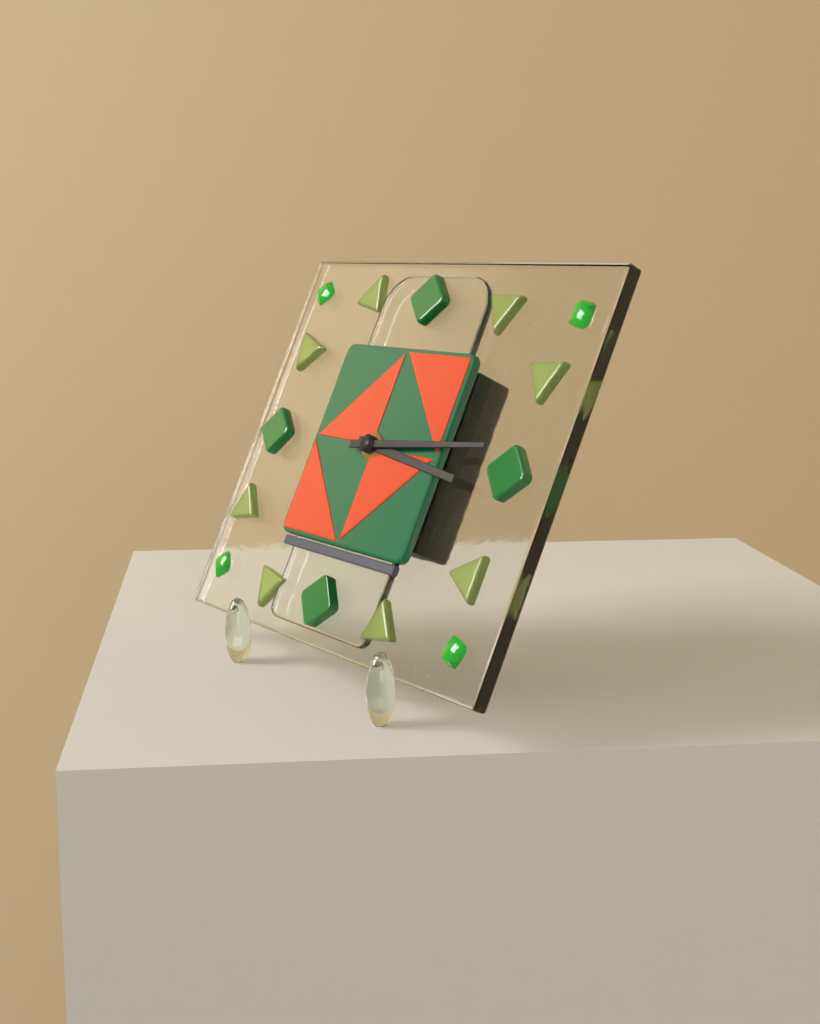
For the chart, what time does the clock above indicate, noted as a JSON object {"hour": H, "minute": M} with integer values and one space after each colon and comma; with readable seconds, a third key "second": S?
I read {"hour": 3, "minute": 14}
